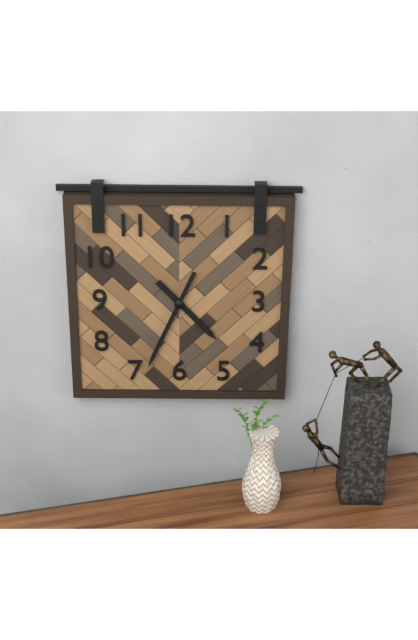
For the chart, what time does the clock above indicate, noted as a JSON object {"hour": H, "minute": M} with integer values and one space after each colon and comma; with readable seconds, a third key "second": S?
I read {"hour": 4, "minute": 34}
